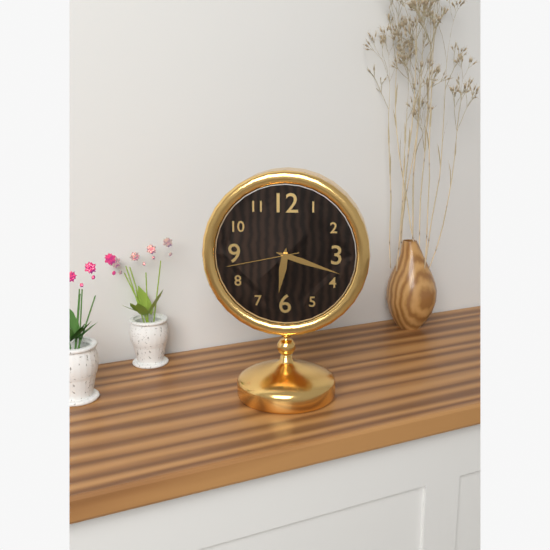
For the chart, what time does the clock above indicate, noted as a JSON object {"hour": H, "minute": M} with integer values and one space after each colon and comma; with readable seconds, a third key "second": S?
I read {"hour": 6, "minute": 18, "second": 43}
